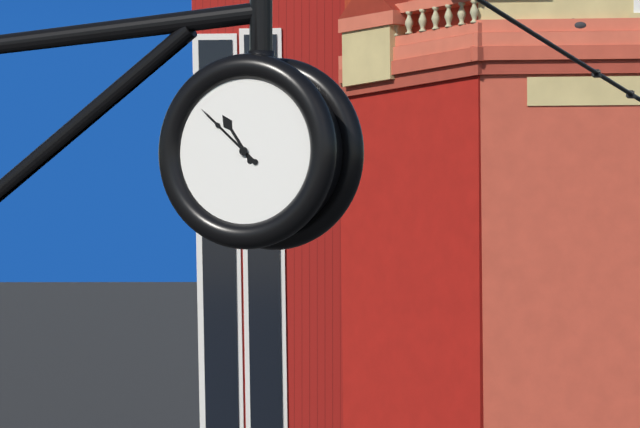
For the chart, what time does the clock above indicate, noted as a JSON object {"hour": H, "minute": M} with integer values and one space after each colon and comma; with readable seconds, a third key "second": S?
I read {"hour": 10, "minute": 52}
